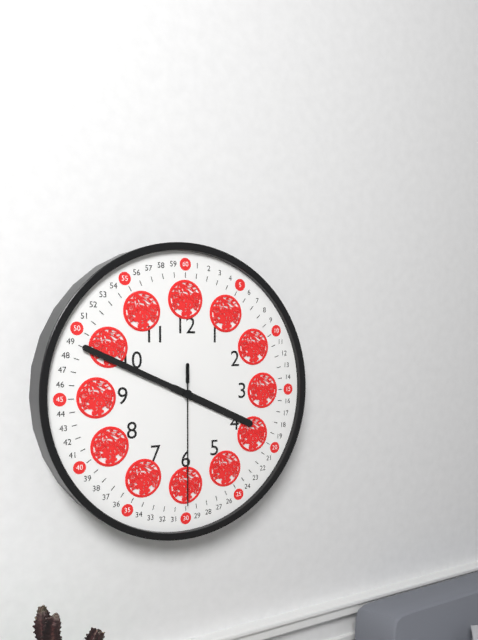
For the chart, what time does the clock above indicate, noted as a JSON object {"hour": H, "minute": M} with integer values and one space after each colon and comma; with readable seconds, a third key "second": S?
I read {"hour": 3, "minute": 49, "second": 30}
